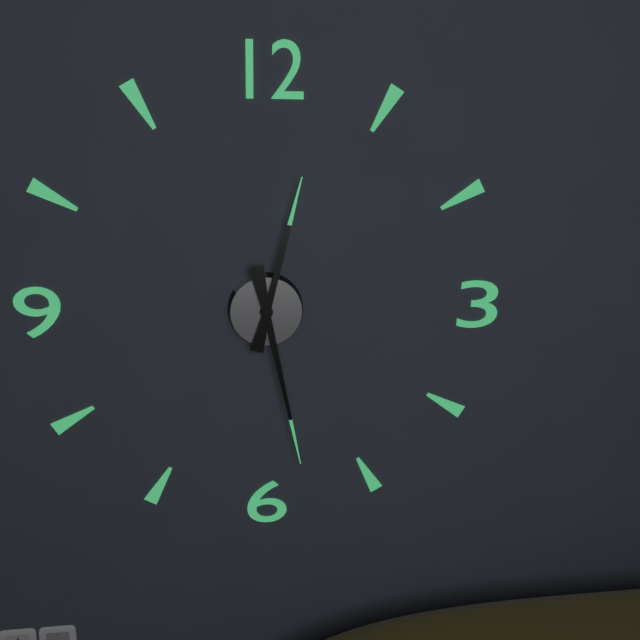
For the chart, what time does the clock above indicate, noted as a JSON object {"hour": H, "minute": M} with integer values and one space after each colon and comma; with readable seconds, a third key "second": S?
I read {"hour": 12, "minute": 28}
